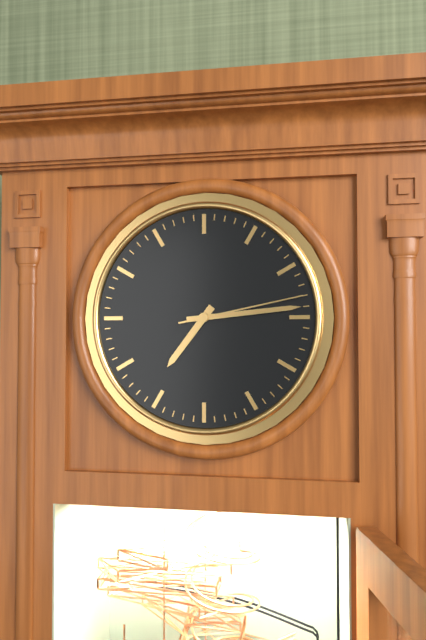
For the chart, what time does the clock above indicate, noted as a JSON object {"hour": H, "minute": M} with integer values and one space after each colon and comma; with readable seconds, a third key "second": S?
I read {"hour": 7, "minute": 14, "second": 13}
